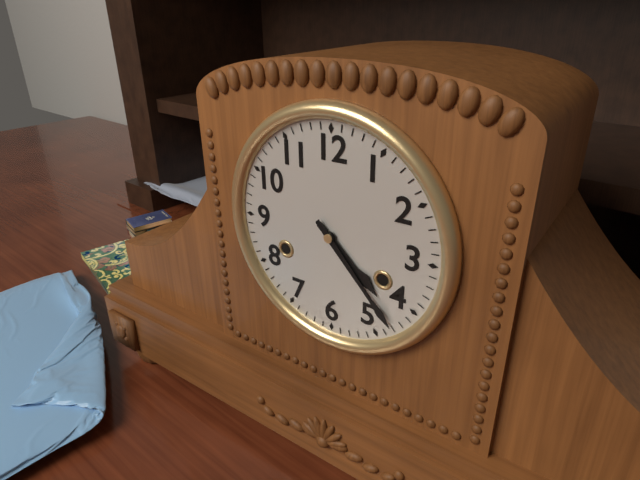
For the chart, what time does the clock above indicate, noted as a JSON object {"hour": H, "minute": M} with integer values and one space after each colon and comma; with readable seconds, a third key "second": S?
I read {"hour": 4, "minute": 23}
